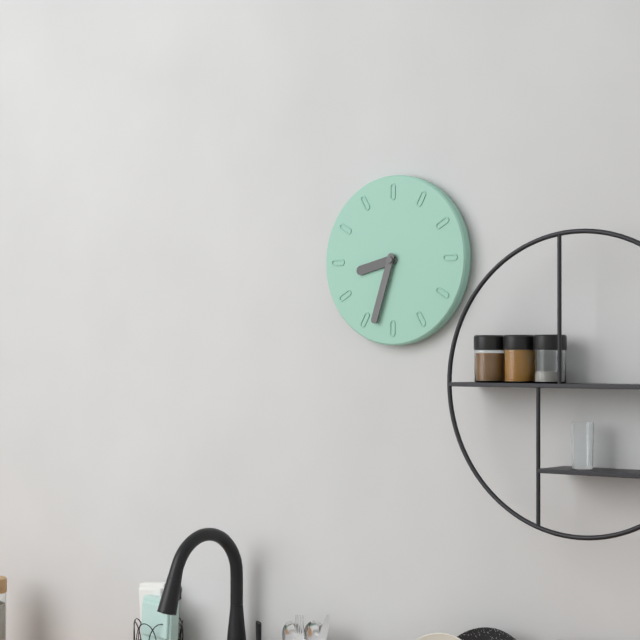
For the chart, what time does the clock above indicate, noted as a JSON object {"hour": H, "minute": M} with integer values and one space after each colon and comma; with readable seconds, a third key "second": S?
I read {"hour": 8, "minute": 33}
